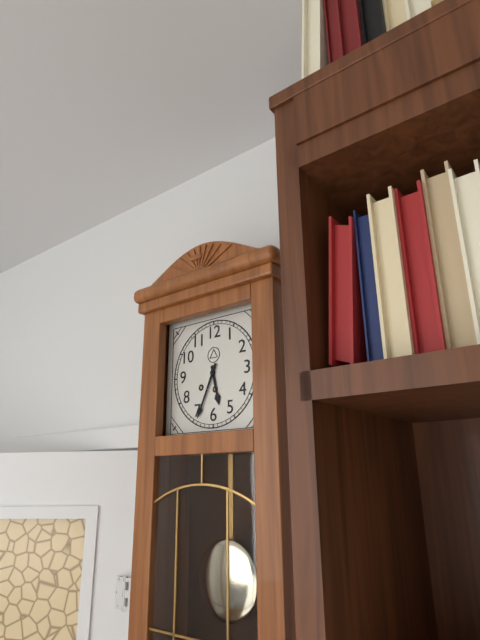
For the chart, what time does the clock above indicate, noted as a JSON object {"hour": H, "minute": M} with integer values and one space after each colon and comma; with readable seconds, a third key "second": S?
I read {"hour": 5, "minute": 34}
